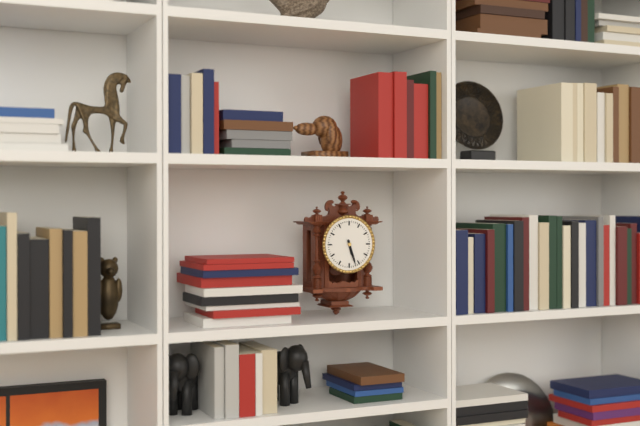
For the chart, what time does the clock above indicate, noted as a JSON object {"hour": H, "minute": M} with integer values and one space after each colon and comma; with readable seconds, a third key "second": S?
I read {"hour": 5, "minute": 27}
